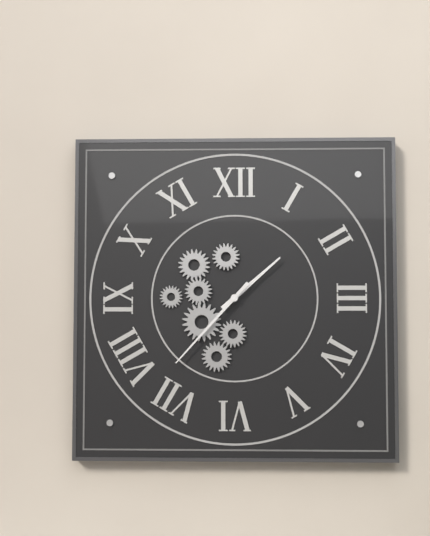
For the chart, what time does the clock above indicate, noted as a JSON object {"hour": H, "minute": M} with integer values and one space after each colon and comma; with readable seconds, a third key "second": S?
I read {"hour": 1, "minute": 37}
